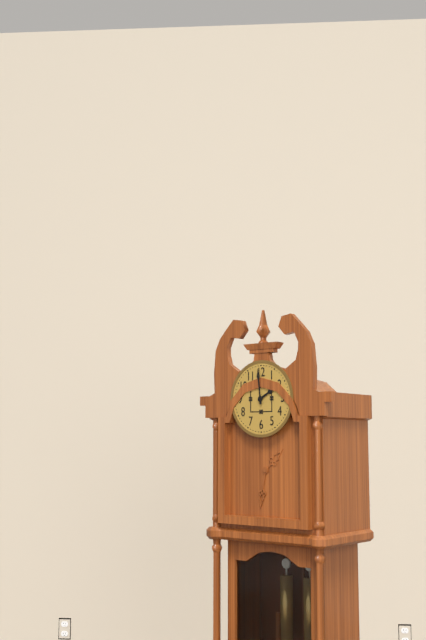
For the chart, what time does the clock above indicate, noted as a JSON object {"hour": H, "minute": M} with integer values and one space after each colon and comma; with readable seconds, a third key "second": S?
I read {"hour": 1, "minute": 59}
